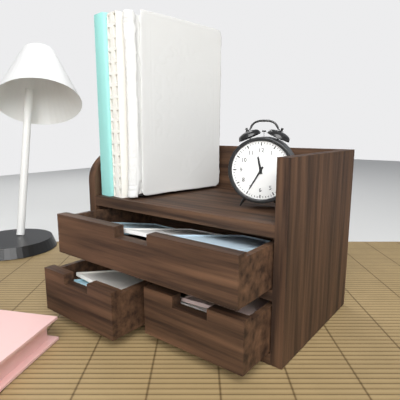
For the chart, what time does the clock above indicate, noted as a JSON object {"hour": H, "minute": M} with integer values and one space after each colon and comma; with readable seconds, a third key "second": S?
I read {"hour": 11, "minute": 35}
